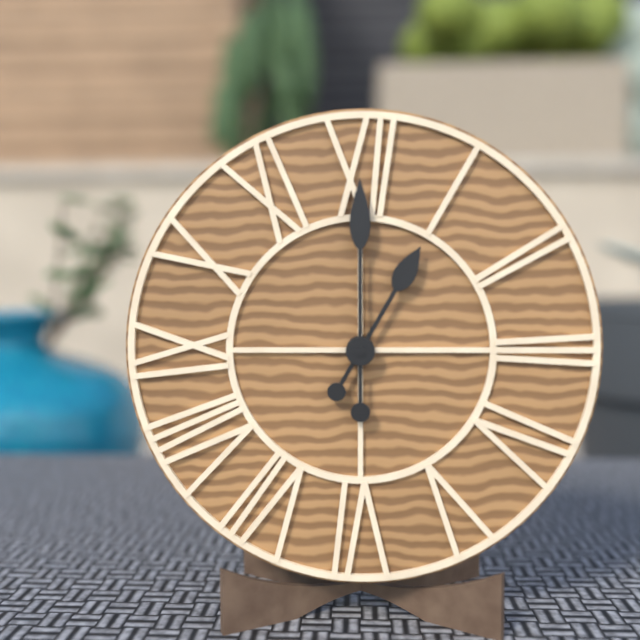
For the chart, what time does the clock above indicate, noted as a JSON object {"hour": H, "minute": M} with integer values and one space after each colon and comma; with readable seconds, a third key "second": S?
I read {"hour": 1, "minute": 0}
